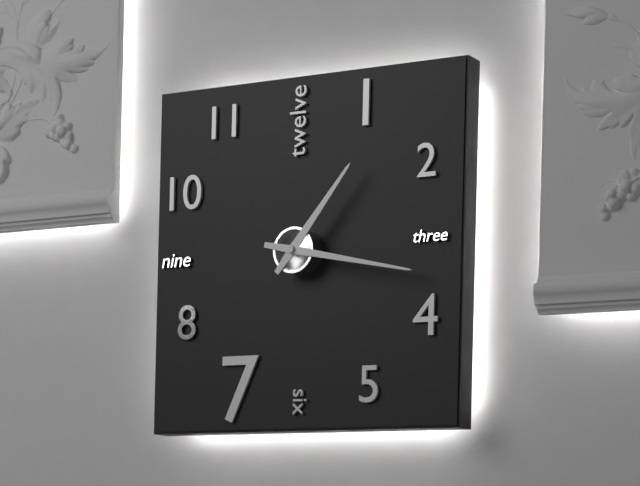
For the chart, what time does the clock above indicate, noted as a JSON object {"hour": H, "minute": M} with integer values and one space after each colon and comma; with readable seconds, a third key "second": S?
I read {"hour": 1, "minute": 17}
